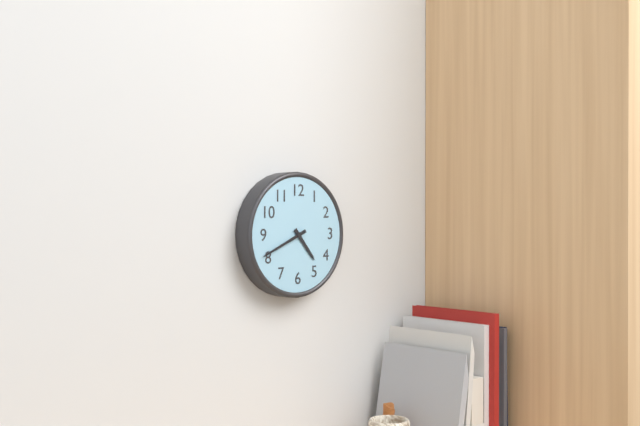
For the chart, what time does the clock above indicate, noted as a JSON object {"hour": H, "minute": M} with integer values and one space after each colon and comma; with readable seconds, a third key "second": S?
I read {"hour": 4, "minute": 41}
